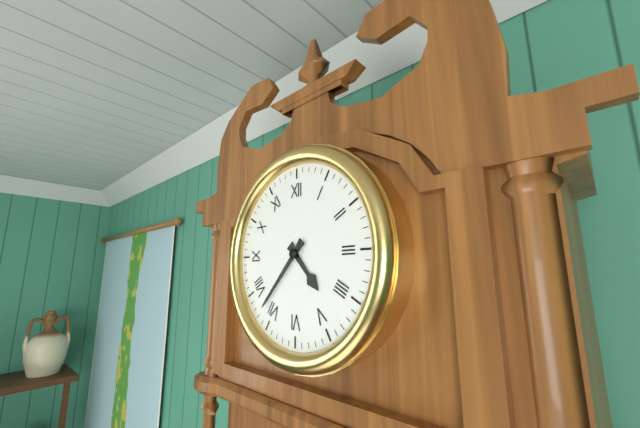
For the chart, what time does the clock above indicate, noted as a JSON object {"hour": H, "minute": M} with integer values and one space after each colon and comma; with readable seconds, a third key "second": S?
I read {"hour": 4, "minute": 37}
